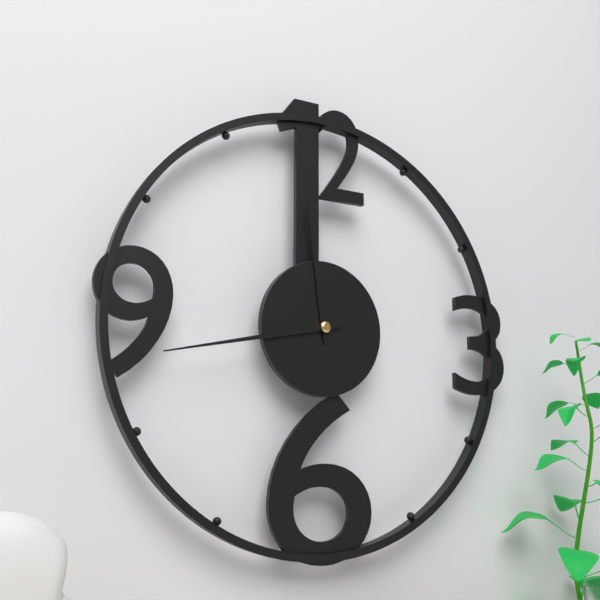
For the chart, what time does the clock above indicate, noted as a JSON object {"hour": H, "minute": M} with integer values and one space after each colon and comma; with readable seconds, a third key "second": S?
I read {"hour": 11, "minute": 43}
